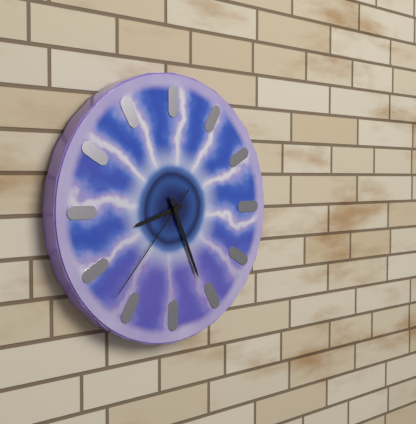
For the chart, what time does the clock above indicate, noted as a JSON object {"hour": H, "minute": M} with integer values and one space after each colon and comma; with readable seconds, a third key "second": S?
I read {"hour": 8, "minute": 26, "second": 37}
